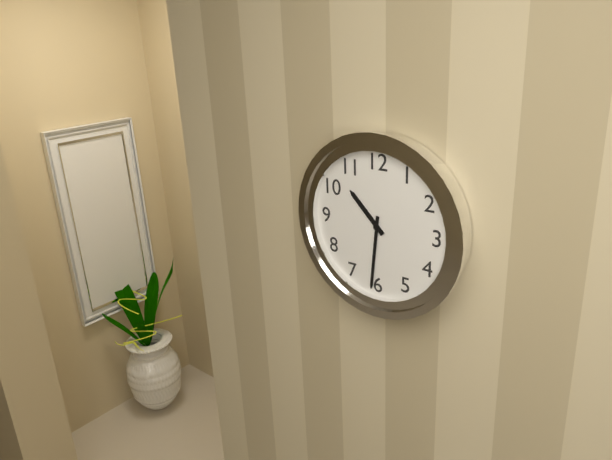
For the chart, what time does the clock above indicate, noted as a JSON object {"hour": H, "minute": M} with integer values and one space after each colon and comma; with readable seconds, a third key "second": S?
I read {"hour": 10, "minute": 31}
